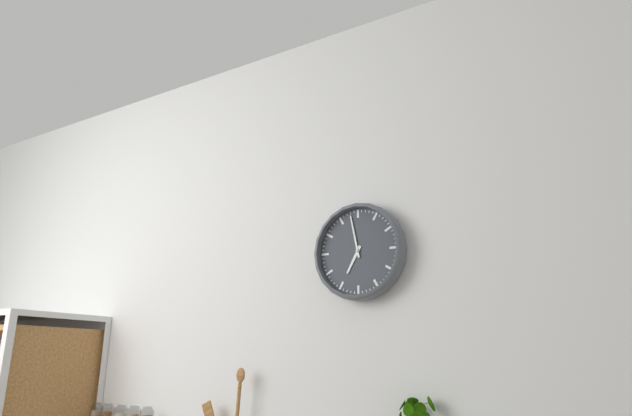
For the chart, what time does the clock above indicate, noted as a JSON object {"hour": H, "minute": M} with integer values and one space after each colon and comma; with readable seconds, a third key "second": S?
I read {"hour": 6, "minute": 58}
